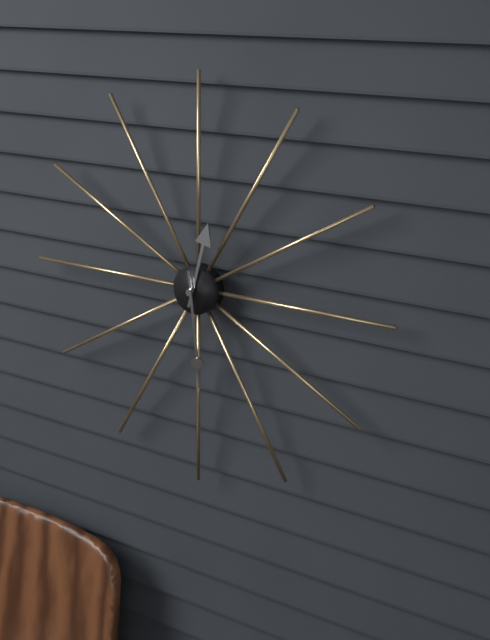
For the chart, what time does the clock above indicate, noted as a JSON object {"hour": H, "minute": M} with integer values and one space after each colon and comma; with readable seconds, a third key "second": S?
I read {"hour": 12, "minute": 29}
